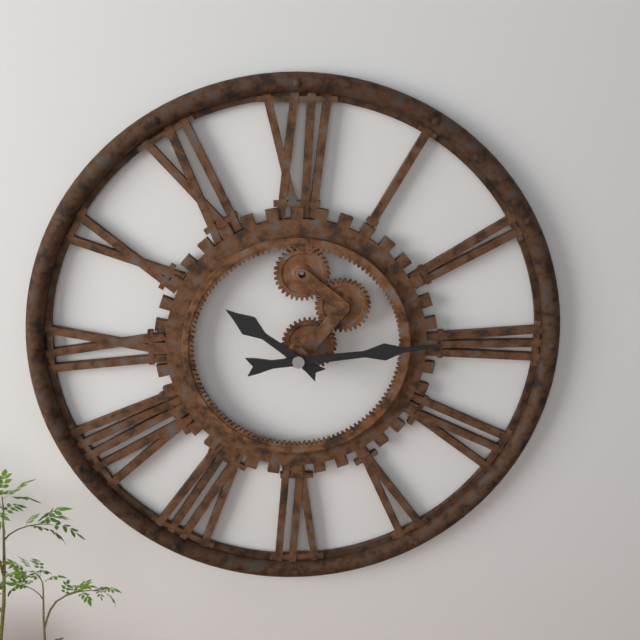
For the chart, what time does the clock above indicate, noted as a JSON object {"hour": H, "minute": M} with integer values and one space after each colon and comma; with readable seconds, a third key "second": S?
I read {"hour": 10, "minute": 14}
